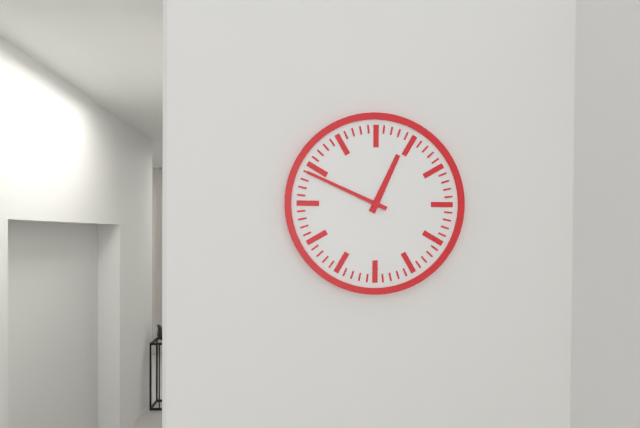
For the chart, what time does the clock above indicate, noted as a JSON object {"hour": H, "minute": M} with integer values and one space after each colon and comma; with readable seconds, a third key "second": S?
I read {"hour": 12, "minute": 49}
